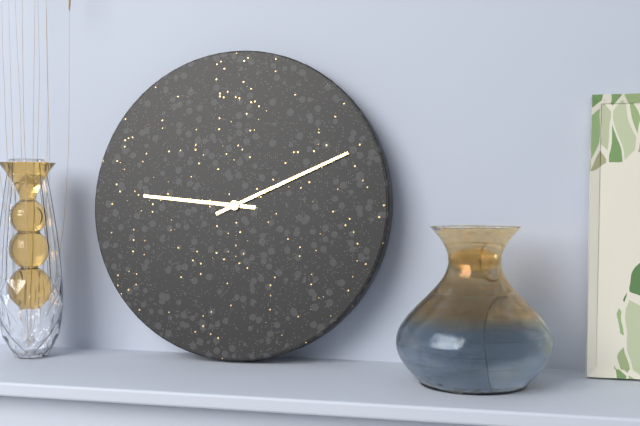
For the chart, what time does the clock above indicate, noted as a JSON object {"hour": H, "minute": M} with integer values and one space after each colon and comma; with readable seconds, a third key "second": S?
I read {"hour": 9, "minute": 11}
